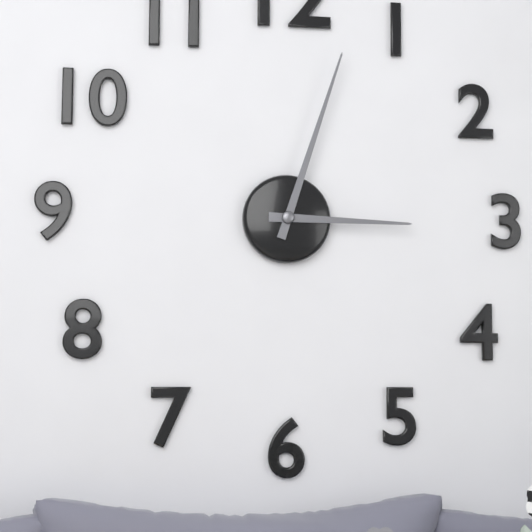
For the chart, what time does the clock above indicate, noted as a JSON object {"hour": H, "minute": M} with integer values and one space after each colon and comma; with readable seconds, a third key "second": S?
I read {"hour": 3, "minute": 3}
